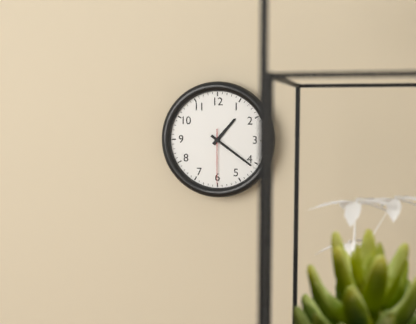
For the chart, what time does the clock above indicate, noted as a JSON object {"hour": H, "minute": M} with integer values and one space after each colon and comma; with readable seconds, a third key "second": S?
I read {"hour": 1, "minute": 21, "second": 30}
